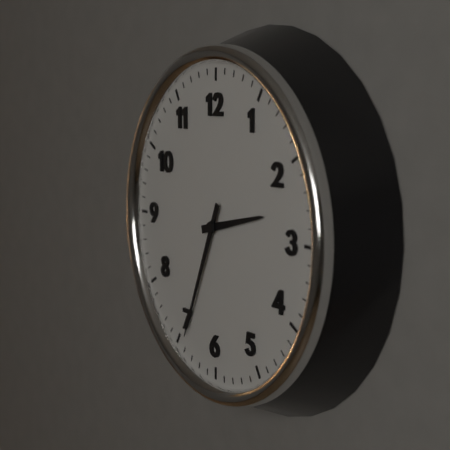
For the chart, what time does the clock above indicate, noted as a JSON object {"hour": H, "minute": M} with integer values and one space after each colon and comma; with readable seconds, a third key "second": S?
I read {"hour": 2, "minute": 34}
